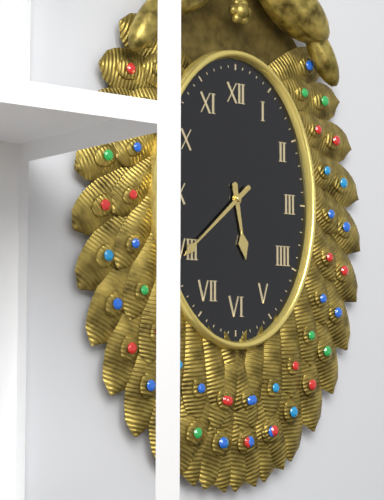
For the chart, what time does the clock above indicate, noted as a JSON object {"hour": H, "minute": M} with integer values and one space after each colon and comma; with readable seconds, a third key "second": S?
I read {"hour": 5, "minute": 38}
